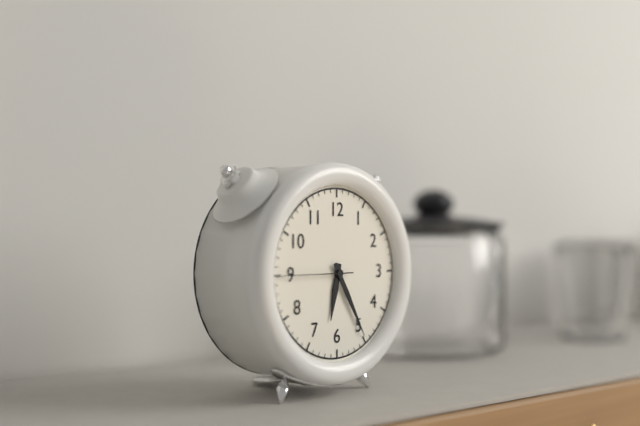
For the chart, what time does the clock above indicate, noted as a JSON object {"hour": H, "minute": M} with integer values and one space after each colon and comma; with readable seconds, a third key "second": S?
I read {"hour": 6, "minute": 25, "second": 45}
